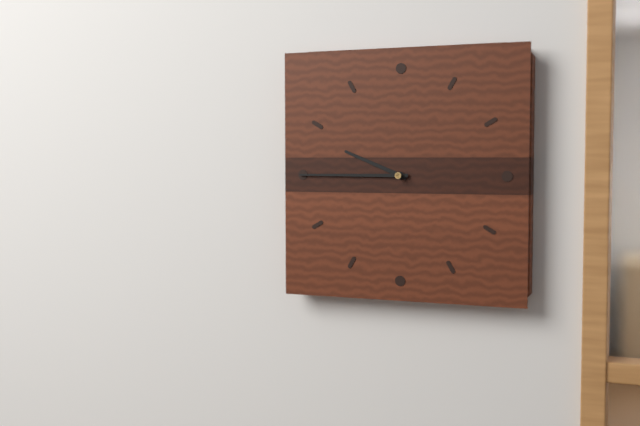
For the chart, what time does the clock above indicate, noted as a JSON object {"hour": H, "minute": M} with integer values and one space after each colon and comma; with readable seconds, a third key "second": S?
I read {"hour": 9, "minute": 45}
